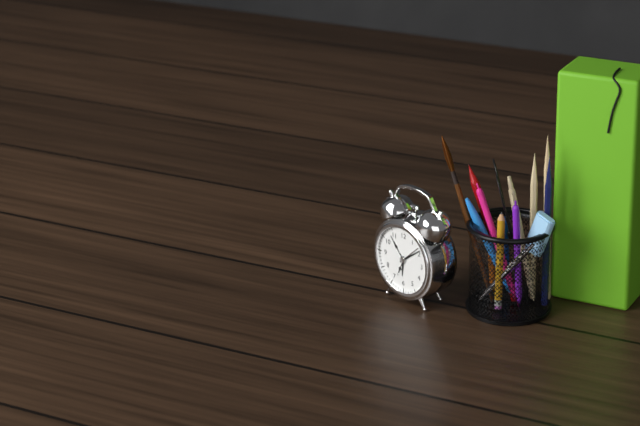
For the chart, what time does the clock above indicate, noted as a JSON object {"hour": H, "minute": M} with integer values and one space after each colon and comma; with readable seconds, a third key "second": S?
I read {"hour": 6, "minute": 9}
